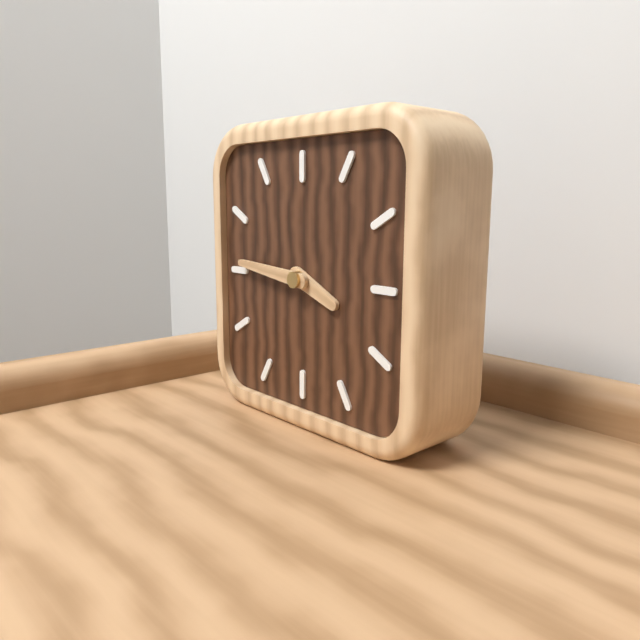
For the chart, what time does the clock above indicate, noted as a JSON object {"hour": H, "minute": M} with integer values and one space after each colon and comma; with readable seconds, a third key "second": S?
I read {"hour": 3, "minute": 46}
